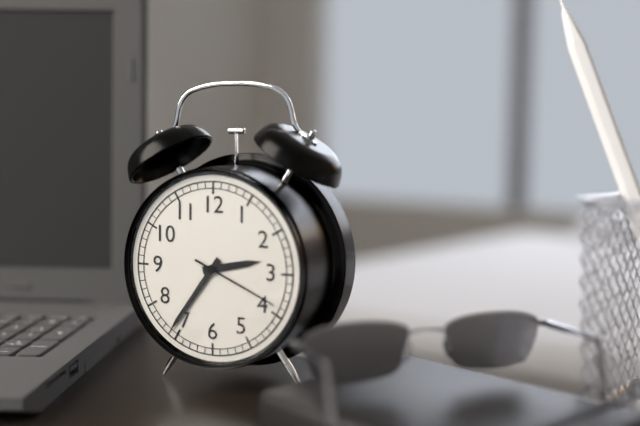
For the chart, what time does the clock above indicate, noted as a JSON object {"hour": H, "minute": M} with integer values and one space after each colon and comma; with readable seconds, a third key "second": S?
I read {"hour": 2, "minute": 36, "second": 19}
